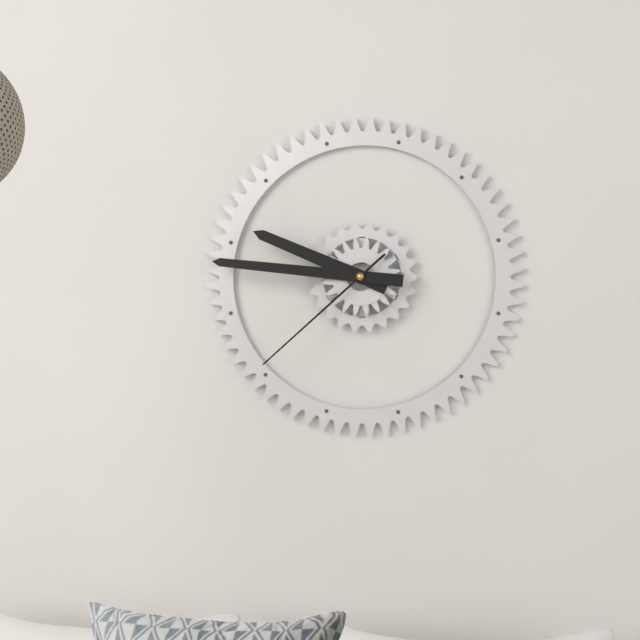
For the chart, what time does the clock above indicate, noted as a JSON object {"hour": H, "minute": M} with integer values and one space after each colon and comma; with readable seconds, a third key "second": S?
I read {"hour": 9, "minute": 46, "second": 38}
